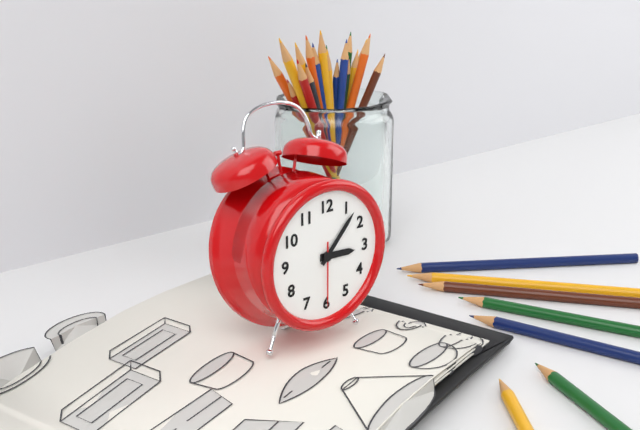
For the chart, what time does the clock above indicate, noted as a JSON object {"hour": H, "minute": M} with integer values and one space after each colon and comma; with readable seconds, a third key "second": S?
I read {"hour": 3, "minute": 7, "second": 30}
